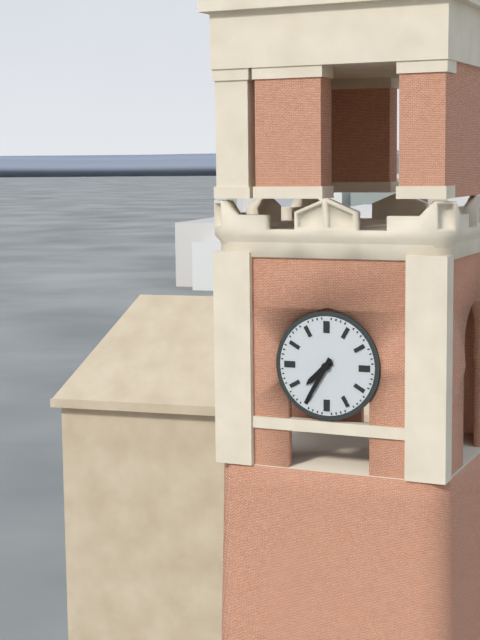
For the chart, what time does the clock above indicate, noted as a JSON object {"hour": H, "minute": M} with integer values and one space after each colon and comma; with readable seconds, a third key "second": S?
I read {"hour": 7, "minute": 35}
